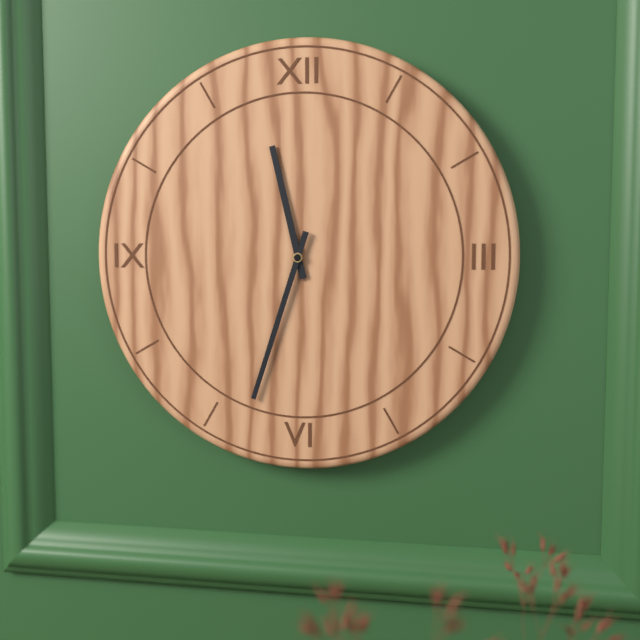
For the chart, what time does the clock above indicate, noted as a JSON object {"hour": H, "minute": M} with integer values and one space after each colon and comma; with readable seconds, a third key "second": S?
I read {"hour": 11, "minute": 33}
